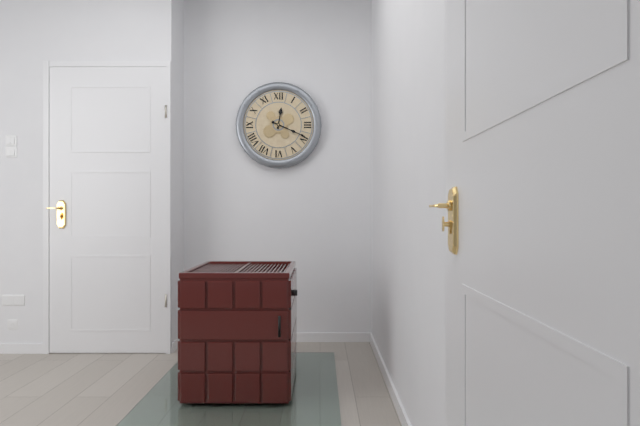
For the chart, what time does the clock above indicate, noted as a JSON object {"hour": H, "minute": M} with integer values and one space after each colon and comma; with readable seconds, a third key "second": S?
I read {"hour": 12, "minute": 19}
